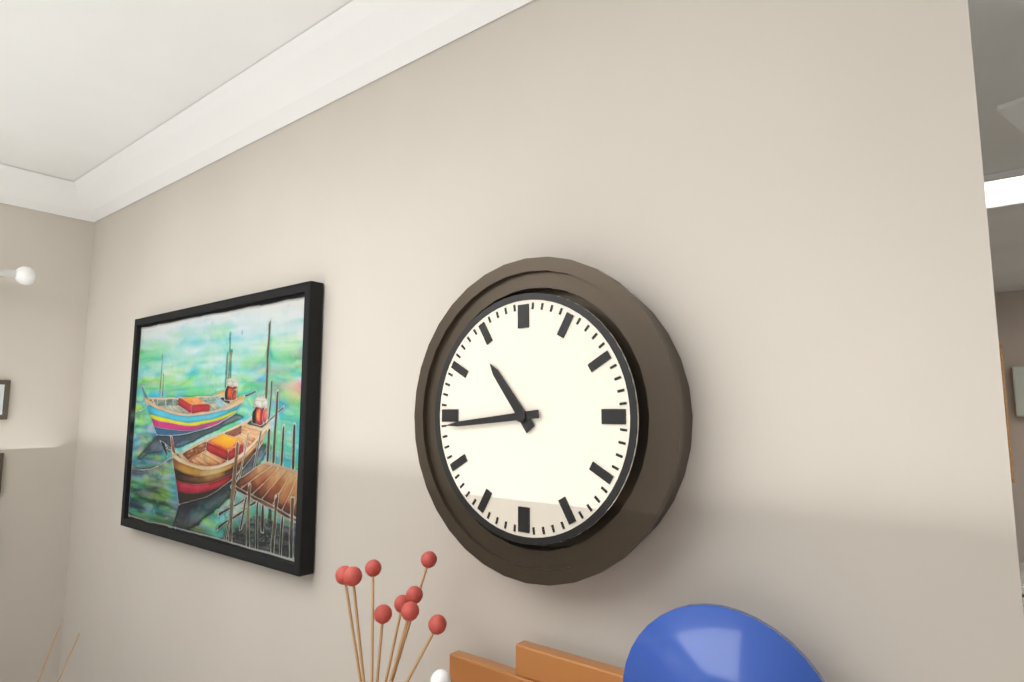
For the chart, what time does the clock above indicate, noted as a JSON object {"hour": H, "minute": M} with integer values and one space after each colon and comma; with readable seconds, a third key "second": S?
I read {"hour": 10, "minute": 44}
